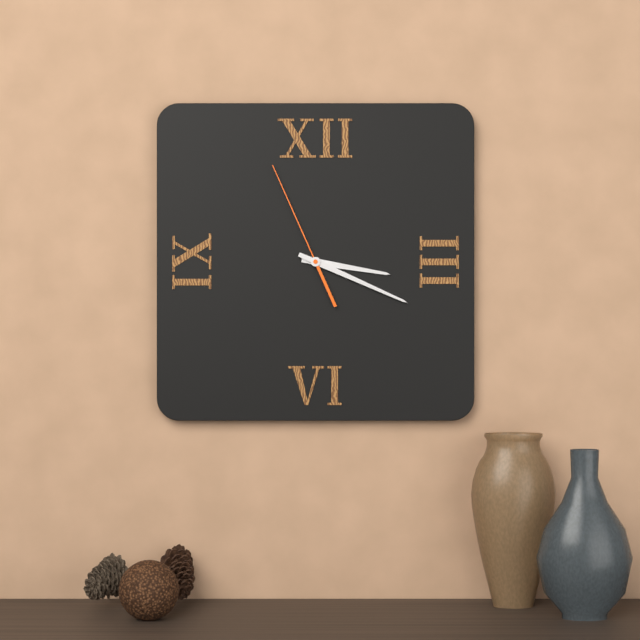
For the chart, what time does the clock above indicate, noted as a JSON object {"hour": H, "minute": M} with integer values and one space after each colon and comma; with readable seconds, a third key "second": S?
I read {"hour": 3, "minute": 19, "second": 56}
